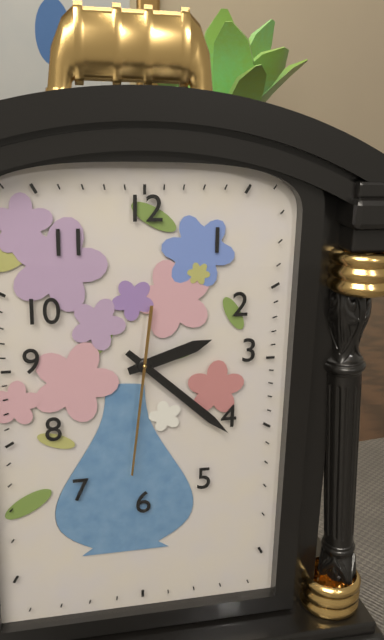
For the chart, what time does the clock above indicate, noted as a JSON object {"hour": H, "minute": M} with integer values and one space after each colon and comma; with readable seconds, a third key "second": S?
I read {"hour": 2, "minute": 22, "second": 31}
